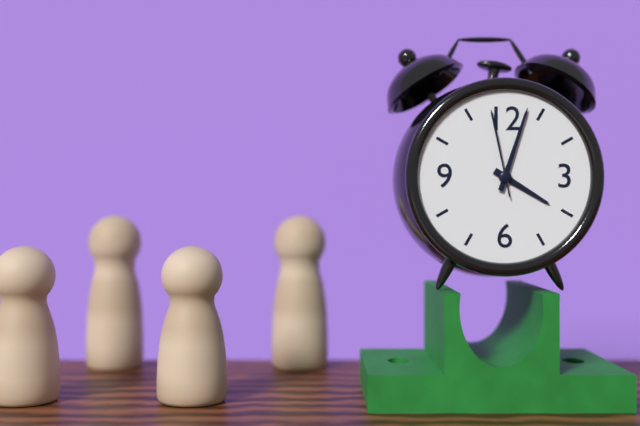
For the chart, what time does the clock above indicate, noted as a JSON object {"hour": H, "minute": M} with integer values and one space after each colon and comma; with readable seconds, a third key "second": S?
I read {"hour": 4, "minute": 3, "second": 58}
